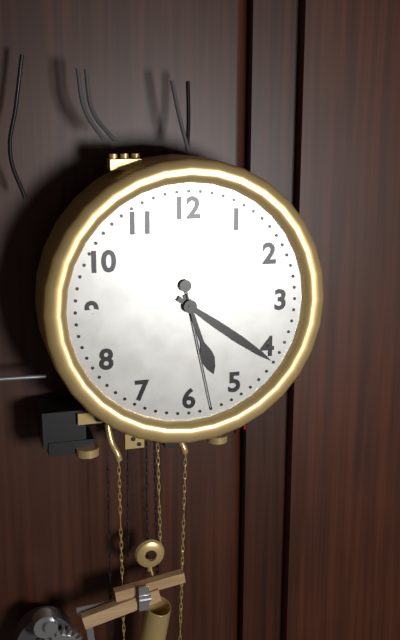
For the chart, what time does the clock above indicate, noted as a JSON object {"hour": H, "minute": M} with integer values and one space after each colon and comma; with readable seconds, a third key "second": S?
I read {"hour": 5, "minute": 21, "second": 28}
